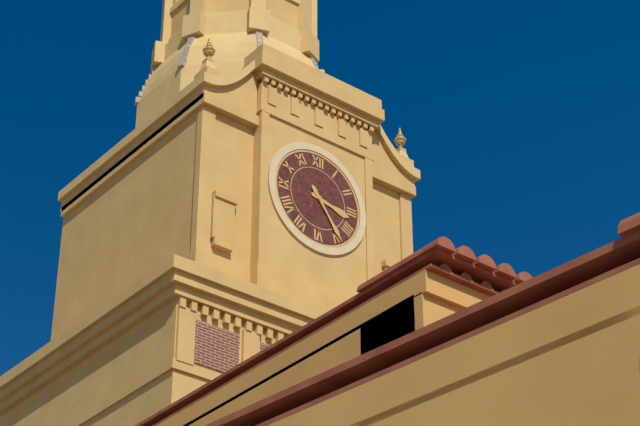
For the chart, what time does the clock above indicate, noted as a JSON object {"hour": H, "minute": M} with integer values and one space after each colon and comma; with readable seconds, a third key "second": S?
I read {"hour": 3, "minute": 24}
